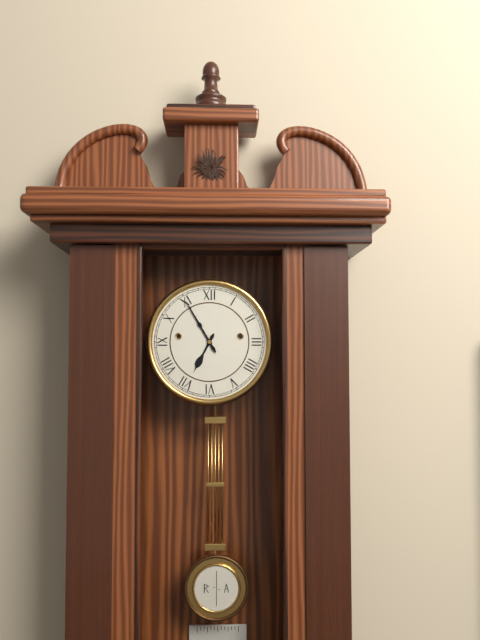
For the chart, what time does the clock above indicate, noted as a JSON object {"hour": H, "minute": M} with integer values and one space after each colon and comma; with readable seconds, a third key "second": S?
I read {"hour": 6, "minute": 55}
